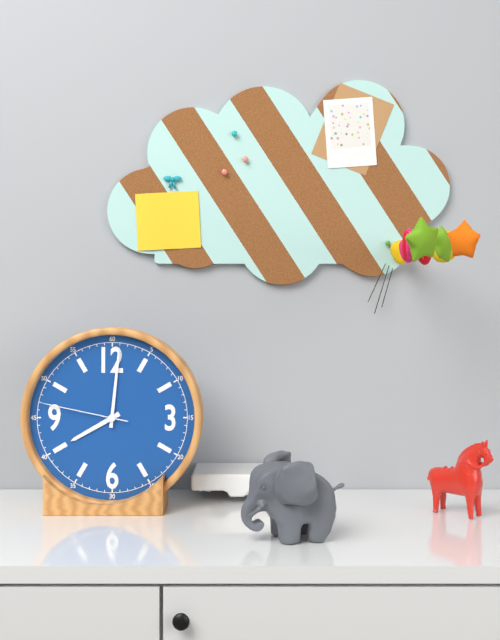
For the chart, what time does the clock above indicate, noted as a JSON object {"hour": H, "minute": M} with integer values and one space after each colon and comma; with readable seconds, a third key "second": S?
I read {"hour": 8, "minute": 1, "second": 47}
